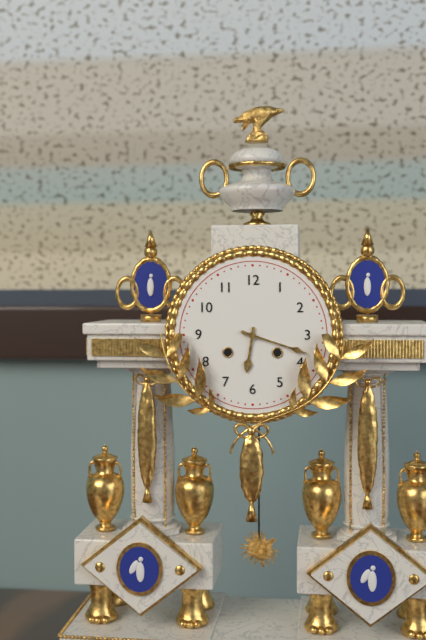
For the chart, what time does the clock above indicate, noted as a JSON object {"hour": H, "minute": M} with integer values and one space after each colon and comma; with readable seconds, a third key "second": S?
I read {"hour": 6, "minute": 18}
